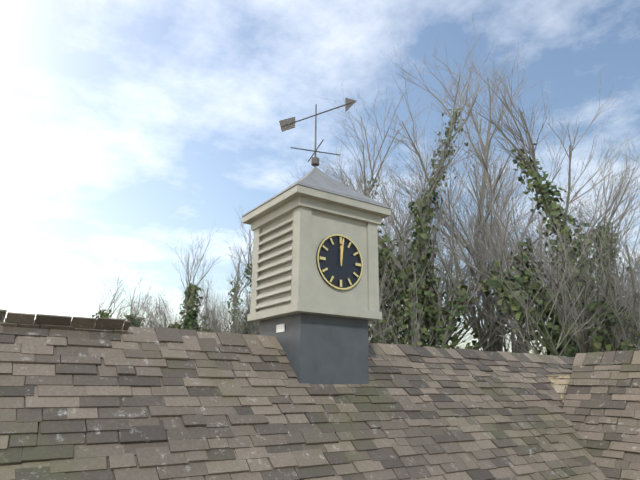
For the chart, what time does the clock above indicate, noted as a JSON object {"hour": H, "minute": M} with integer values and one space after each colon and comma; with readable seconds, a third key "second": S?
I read {"hour": 12, "minute": 1}
